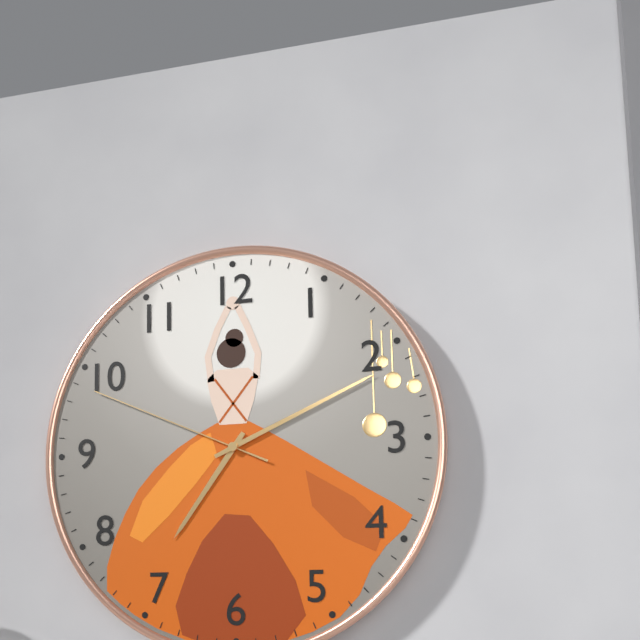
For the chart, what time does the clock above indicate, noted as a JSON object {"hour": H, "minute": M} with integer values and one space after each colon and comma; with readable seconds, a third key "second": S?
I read {"hour": 7, "minute": 11, "second": 49}
